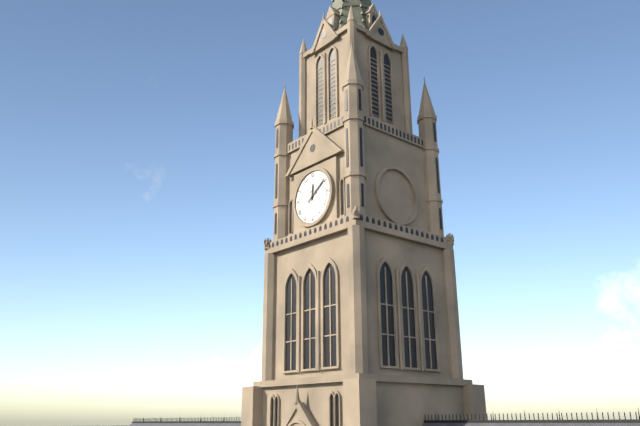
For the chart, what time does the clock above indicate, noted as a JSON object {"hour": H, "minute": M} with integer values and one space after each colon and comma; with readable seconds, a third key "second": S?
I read {"hour": 12, "minute": 9}
